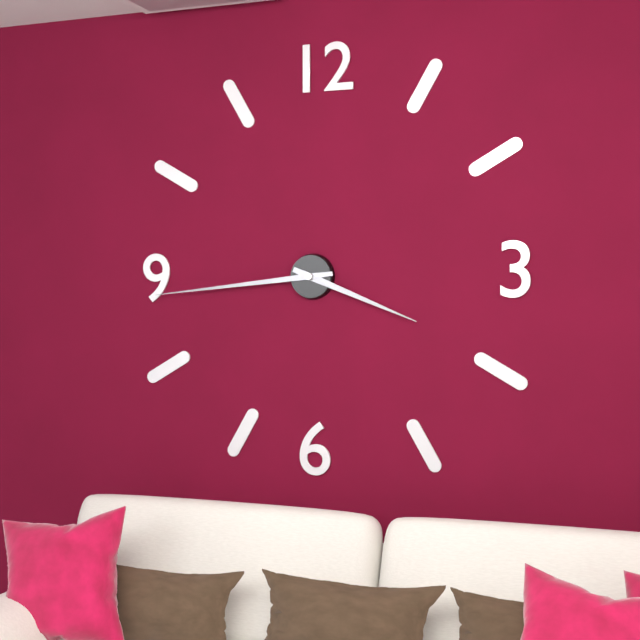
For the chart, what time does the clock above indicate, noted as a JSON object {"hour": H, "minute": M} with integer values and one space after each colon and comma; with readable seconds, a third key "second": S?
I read {"hour": 3, "minute": 44}
